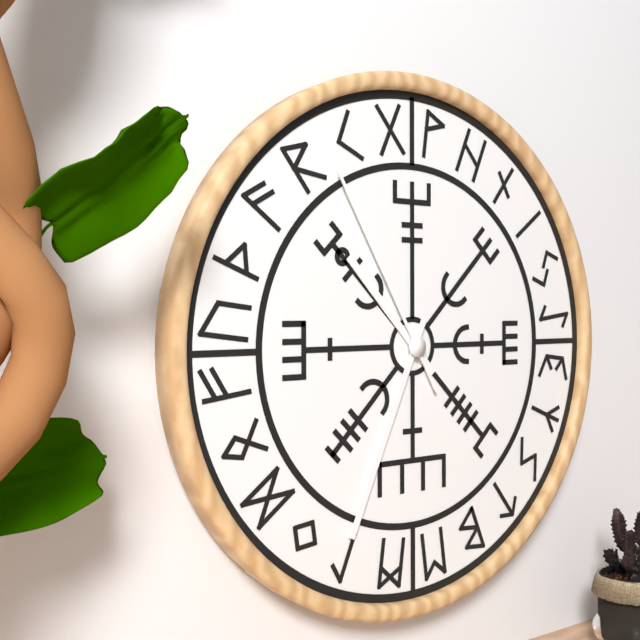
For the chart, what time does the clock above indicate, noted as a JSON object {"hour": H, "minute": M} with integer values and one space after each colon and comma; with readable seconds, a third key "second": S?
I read {"hour": 10, "minute": 34, "second": 55}
